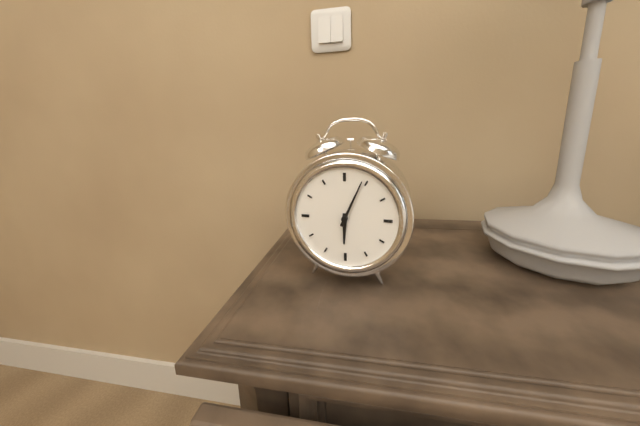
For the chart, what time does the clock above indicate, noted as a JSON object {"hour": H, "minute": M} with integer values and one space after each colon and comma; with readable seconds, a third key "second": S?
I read {"hour": 6, "minute": 4}
